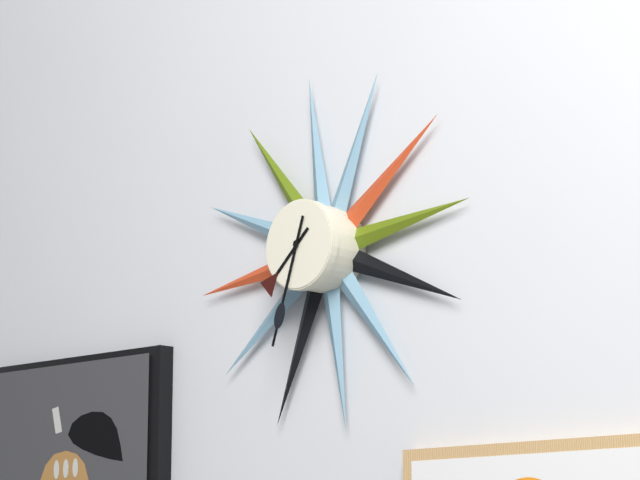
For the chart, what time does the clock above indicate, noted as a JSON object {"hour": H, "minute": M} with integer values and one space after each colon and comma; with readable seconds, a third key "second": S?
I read {"hour": 7, "minute": 33}
